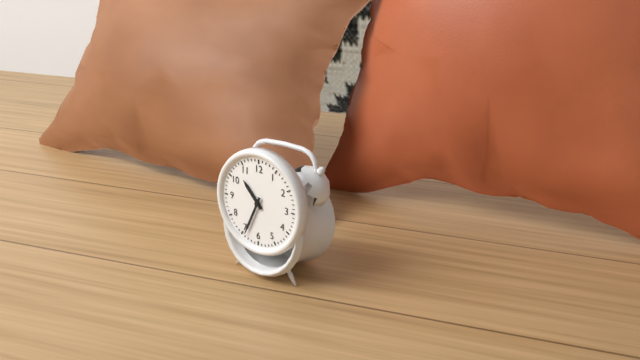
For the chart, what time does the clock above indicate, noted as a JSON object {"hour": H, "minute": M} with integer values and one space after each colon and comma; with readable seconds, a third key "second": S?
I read {"hour": 10, "minute": 34}
